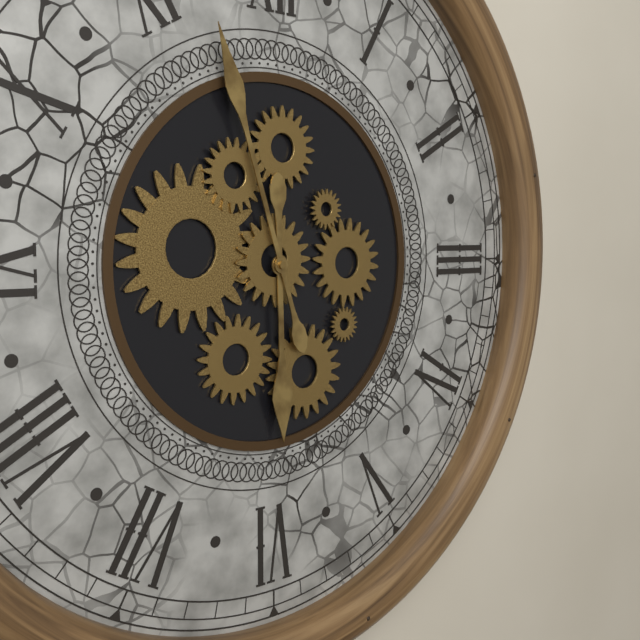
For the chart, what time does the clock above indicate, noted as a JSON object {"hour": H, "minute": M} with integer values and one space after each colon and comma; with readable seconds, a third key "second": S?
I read {"hour": 5, "minute": 57}
